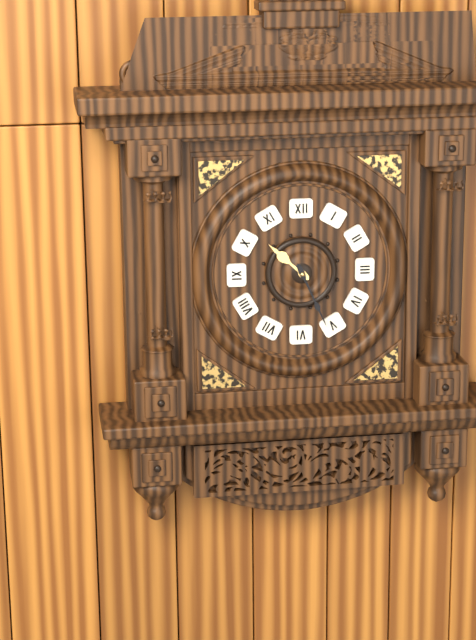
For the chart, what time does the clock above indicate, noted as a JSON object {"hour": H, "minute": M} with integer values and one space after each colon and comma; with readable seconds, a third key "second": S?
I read {"hour": 10, "minute": 26}
